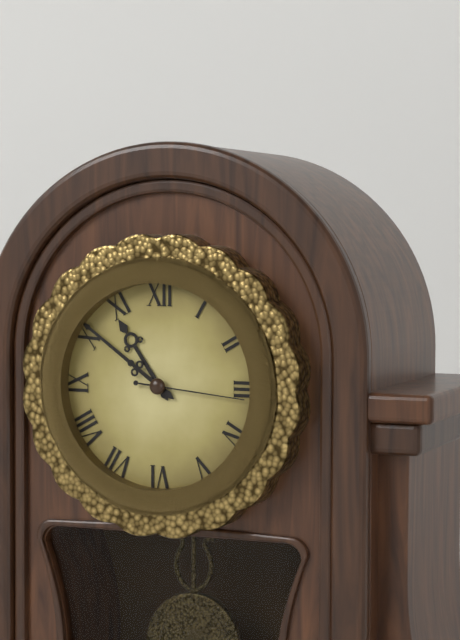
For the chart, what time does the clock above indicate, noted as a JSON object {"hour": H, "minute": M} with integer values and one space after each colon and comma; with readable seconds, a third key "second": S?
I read {"hour": 10, "minute": 51, "second": 16}
